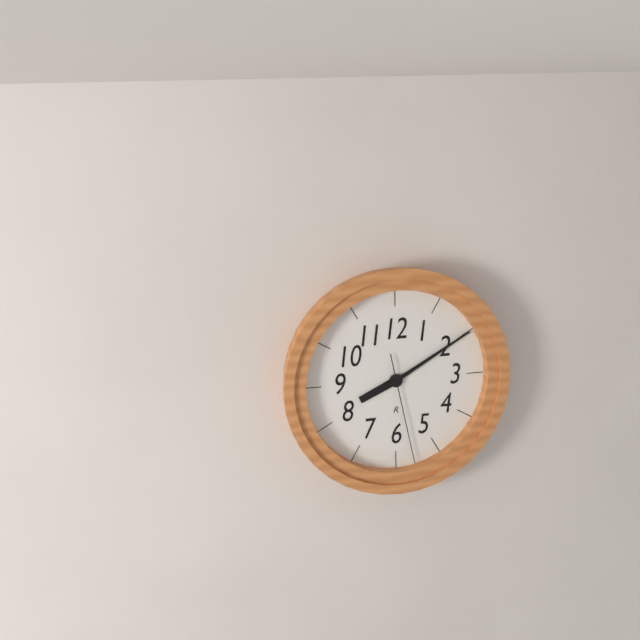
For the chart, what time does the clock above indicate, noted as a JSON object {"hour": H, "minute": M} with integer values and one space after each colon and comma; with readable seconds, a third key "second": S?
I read {"hour": 8, "minute": 10, "second": 28}
